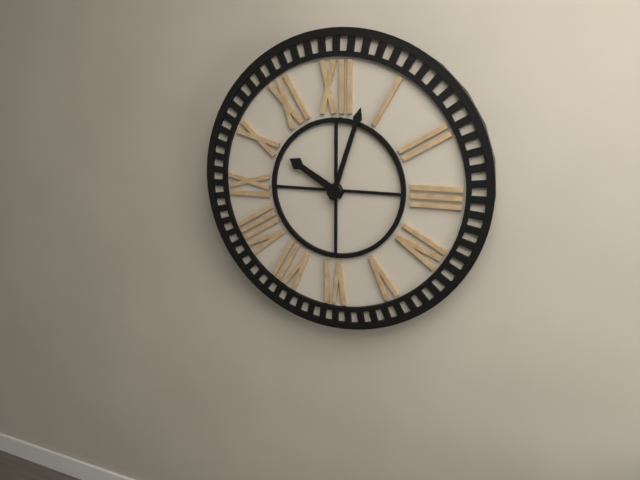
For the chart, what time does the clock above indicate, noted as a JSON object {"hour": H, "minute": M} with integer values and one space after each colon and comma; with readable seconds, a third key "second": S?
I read {"hour": 10, "minute": 3}
